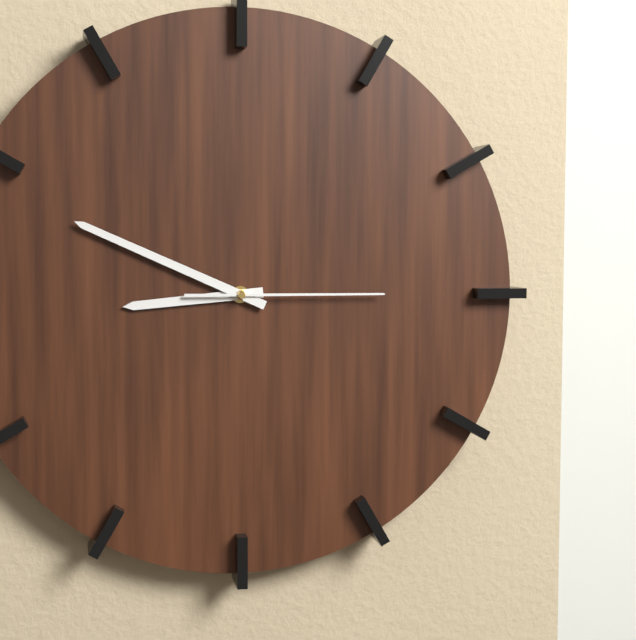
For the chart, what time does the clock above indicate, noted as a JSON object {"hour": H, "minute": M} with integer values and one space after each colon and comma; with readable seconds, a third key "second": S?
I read {"hour": 8, "minute": 49, "second": 15}
